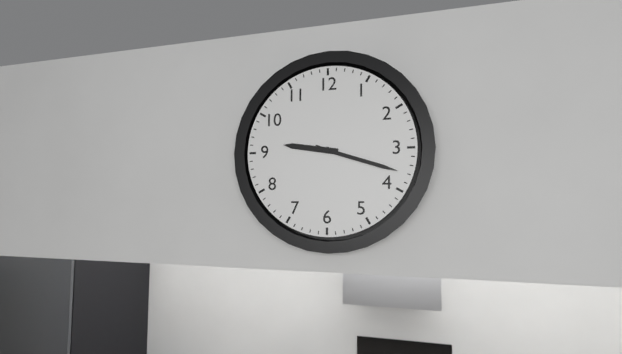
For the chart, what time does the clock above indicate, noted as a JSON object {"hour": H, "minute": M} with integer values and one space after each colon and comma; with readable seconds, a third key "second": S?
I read {"hour": 9, "minute": 18}
